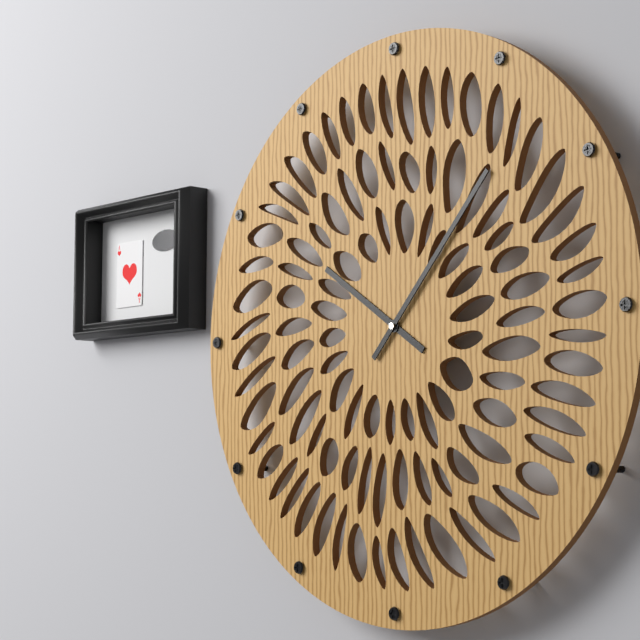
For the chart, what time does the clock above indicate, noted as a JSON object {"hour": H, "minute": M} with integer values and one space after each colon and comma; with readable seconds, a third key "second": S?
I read {"hour": 10, "minute": 7}
